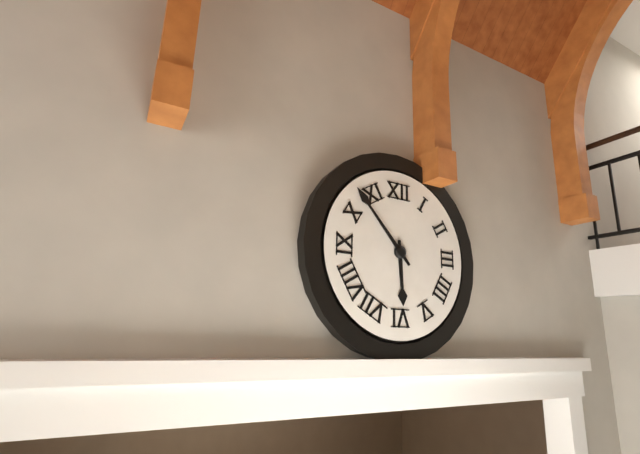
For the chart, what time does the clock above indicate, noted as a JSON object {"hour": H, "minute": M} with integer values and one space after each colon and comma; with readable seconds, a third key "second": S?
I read {"hour": 5, "minute": 53}
